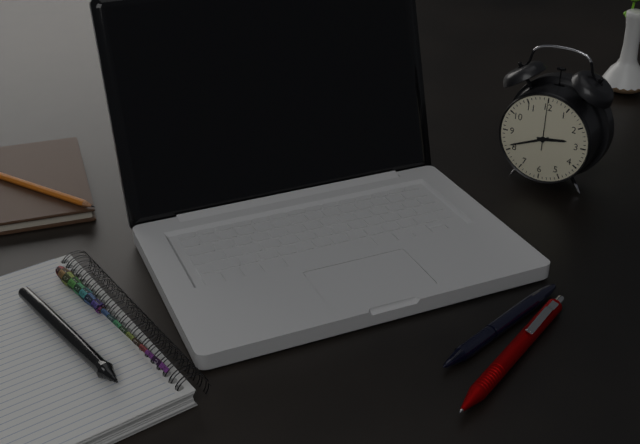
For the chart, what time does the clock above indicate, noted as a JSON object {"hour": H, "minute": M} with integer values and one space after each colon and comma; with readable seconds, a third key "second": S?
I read {"hour": 2, "minute": 41}
